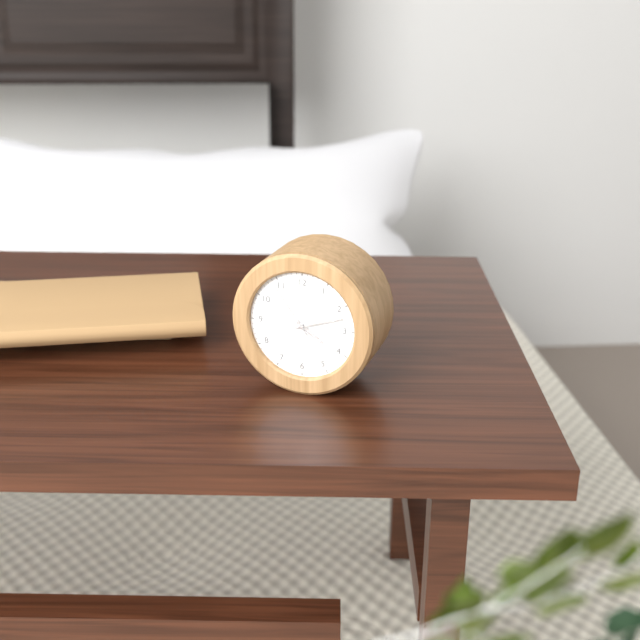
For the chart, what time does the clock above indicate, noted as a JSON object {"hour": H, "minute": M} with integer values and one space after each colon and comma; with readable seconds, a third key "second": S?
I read {"hour": 4, "minute": 12, "second": 54}
